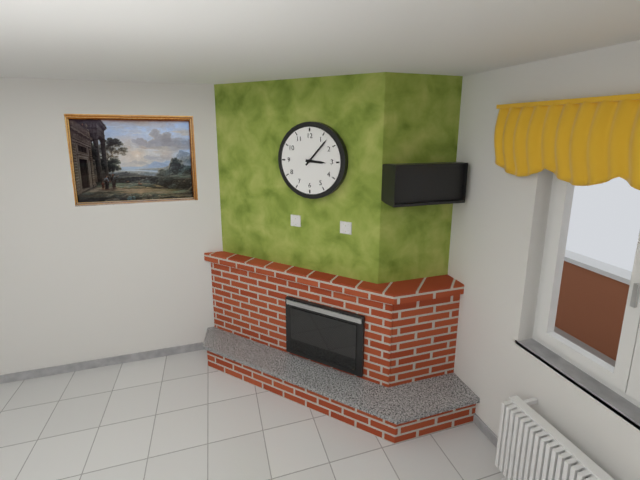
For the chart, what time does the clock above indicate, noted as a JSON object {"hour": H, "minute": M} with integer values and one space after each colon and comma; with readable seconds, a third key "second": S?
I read {"hour": 3, "minute": 7}
